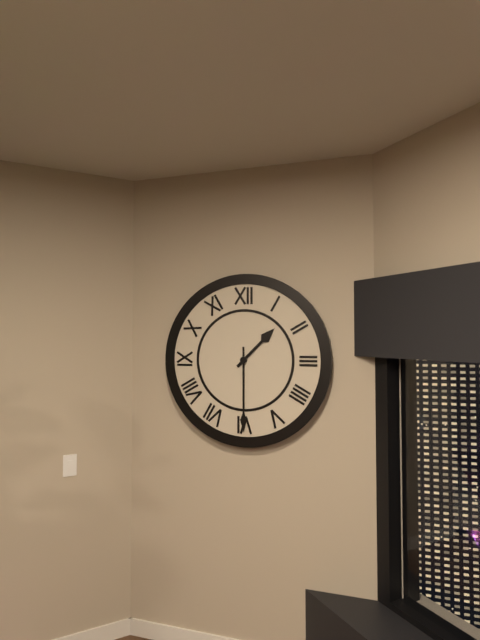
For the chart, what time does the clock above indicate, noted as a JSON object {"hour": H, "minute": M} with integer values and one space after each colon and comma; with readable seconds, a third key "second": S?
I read {"hour": 1, "minute": 30}
